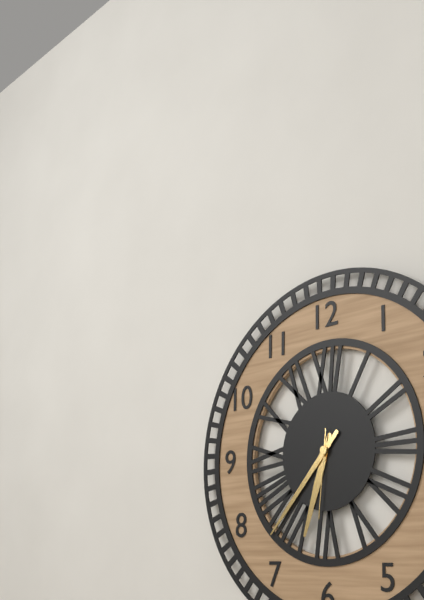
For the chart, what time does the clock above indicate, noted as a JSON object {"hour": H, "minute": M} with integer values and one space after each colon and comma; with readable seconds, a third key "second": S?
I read {"hour": 6, "minute": 37, "second": 31}
